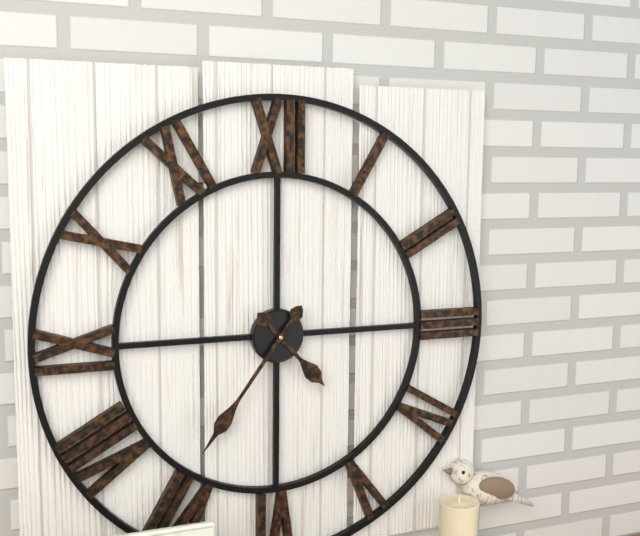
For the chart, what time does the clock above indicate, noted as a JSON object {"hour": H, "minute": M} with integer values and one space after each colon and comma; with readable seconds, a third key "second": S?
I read {"hour": 4, "minute": 36}
